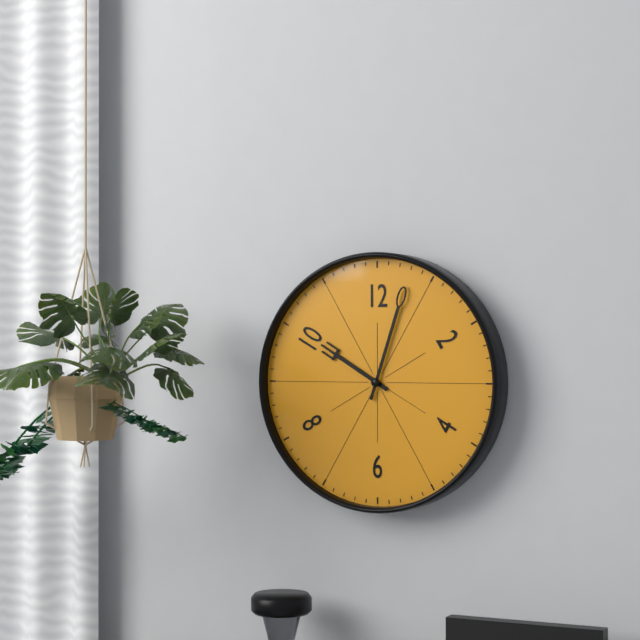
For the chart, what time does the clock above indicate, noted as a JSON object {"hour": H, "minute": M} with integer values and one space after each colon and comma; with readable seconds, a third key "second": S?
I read {"hour": 10, "minute": 3}
